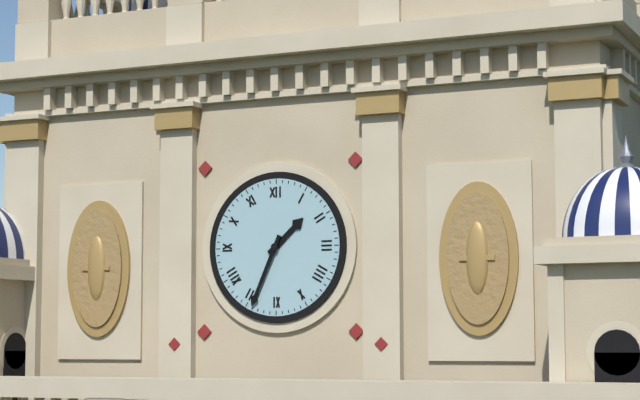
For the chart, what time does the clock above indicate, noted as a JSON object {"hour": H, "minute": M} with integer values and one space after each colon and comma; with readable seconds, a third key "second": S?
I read {"hour": 1, "minute": 34}
